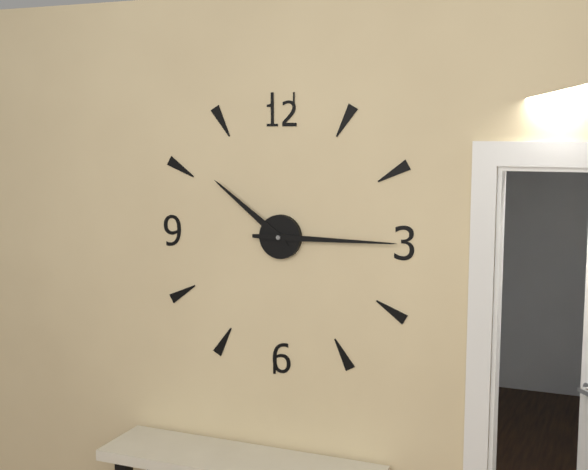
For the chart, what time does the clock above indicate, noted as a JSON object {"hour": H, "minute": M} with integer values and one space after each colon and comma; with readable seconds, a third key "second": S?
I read {"hour": 10, "minute": 15}
